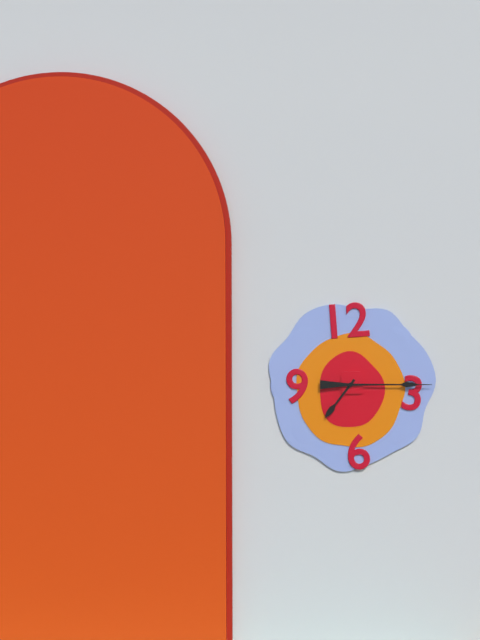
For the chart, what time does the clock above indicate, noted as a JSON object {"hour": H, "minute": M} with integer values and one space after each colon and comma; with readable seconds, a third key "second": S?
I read {"hour": 7, "minute": 15}
